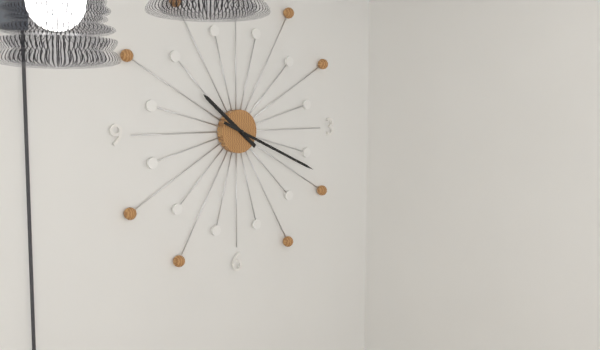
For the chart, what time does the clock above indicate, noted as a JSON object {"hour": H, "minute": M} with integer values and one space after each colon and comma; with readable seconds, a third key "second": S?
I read {"hour": 10, "minute": 19}
